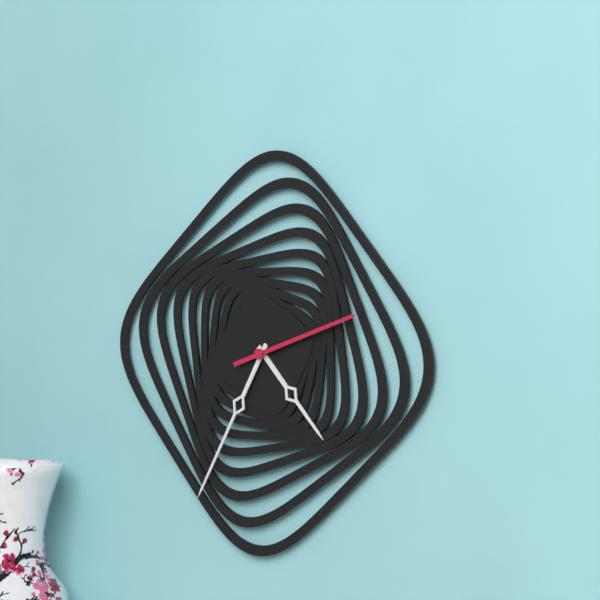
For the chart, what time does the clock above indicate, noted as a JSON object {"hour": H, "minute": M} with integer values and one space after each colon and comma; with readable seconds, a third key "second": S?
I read {"hour": 4, "minute": 35, "second": 12}
